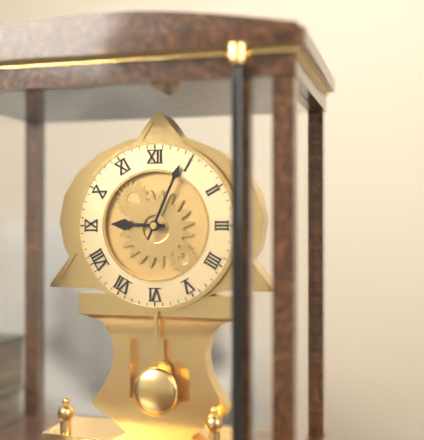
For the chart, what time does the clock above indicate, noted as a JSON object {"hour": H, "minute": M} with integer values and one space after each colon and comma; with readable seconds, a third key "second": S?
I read {"hour": 9, "minute": 4}
